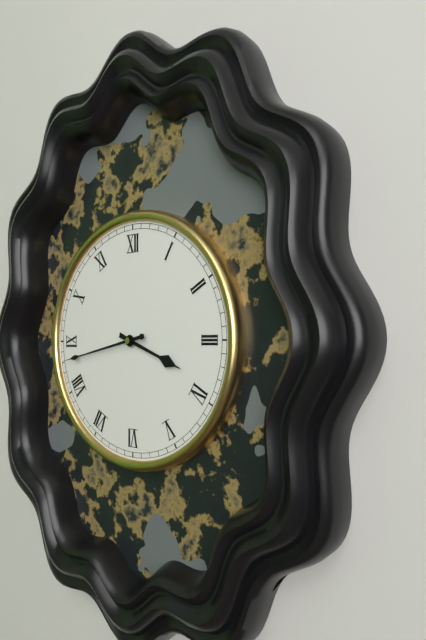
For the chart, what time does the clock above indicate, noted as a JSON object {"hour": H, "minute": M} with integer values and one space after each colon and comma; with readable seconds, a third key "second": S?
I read {"hour": 3, "minute": 43}
